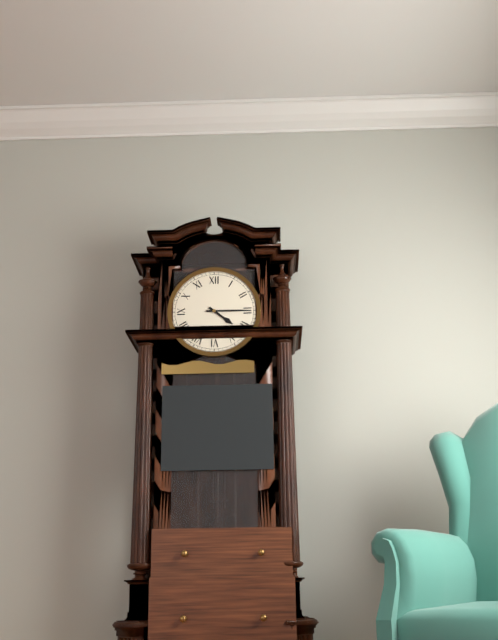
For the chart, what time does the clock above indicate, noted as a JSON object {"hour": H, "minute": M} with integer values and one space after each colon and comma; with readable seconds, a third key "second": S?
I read {"hour": 4, "minute": 15}
